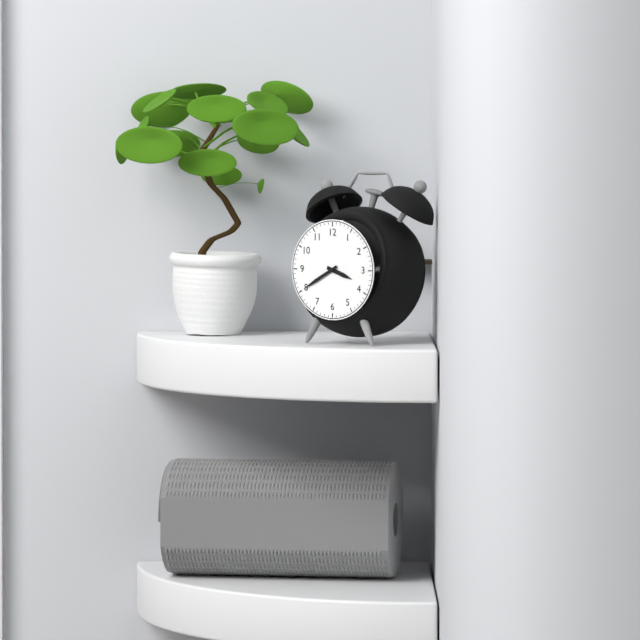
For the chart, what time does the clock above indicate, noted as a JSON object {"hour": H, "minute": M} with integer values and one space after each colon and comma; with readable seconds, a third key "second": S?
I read {"hour": 3, "minute": 40}
